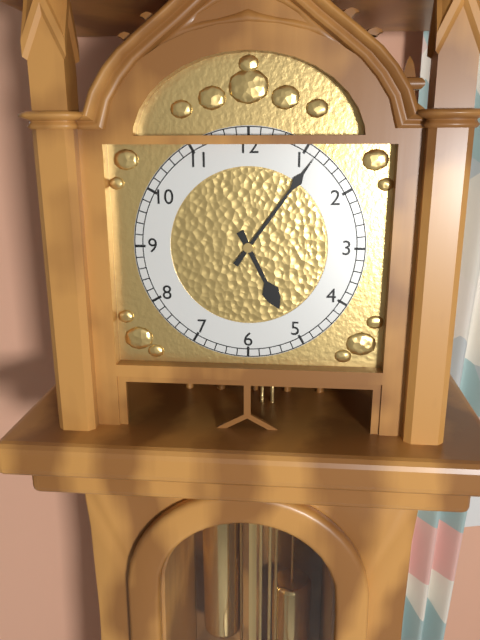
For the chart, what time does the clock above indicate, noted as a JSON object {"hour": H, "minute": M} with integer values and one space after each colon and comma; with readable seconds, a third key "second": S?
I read {"hour": 5, "minute": 6}
